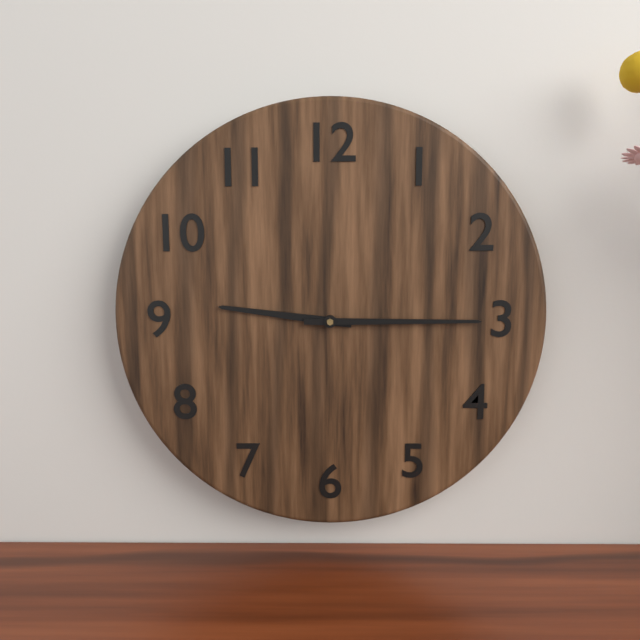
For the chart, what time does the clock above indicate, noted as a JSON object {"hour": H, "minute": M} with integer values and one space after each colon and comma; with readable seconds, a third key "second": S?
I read {"hour": 9, "minute": 15}
